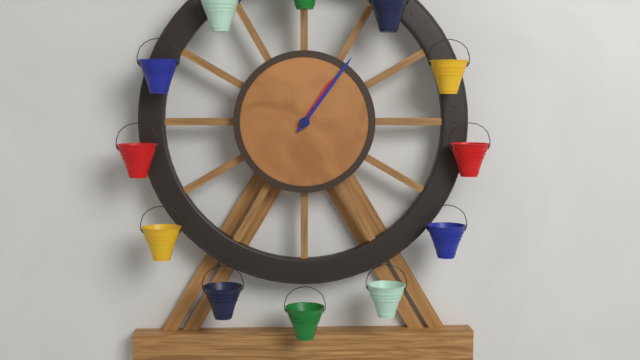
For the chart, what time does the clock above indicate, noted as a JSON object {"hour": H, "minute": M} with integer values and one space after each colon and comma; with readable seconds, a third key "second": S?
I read {"hour": 1, "minute": 6}
